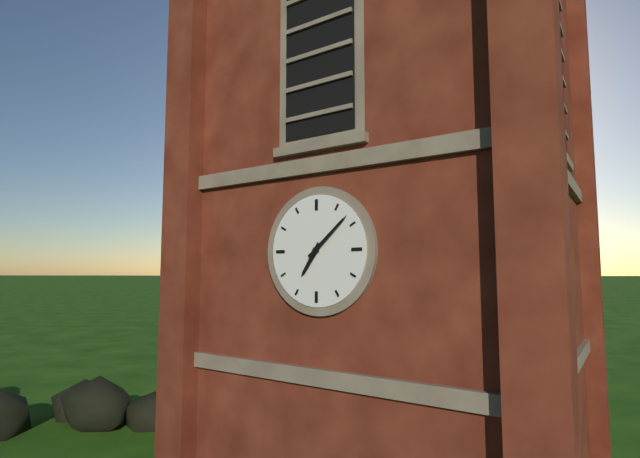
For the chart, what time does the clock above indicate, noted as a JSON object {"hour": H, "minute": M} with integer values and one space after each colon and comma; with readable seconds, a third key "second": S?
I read {"hour": 7, "minute": 8}
